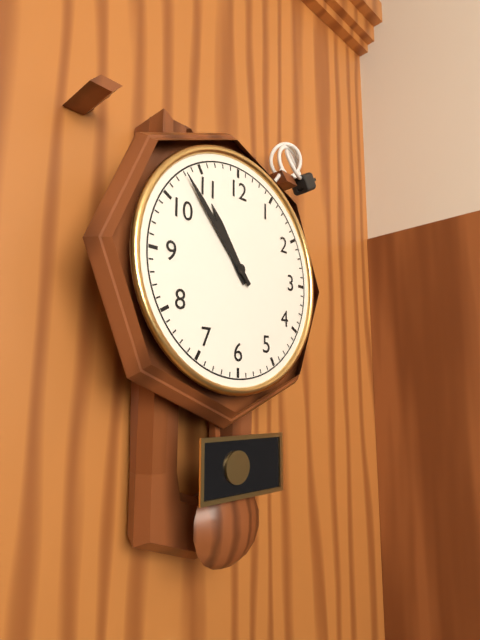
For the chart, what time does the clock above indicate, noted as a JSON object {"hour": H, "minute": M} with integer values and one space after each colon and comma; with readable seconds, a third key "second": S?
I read {"hour": 10, "minute": 53}
